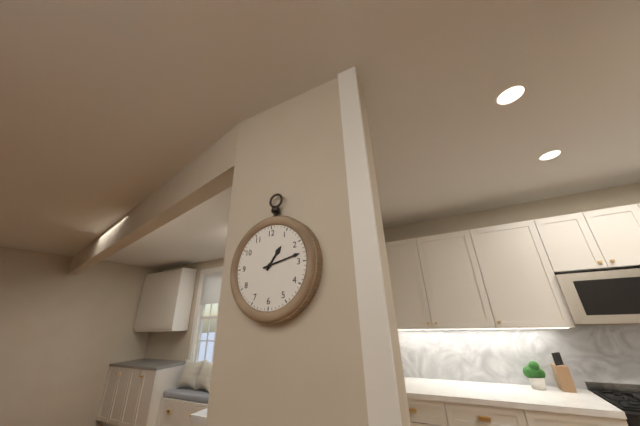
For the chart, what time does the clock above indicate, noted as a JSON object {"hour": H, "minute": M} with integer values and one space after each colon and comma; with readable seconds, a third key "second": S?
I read {"hour": 1, "minute": 13}
